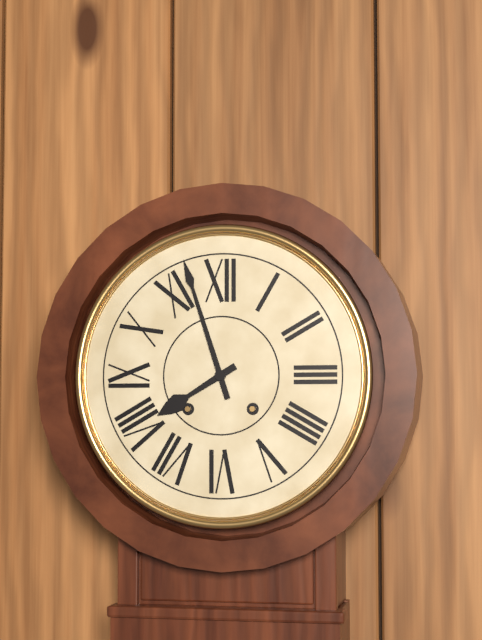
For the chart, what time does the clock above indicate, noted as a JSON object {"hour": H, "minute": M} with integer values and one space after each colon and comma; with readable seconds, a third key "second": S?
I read {"hour": 7, "minute": 57}
